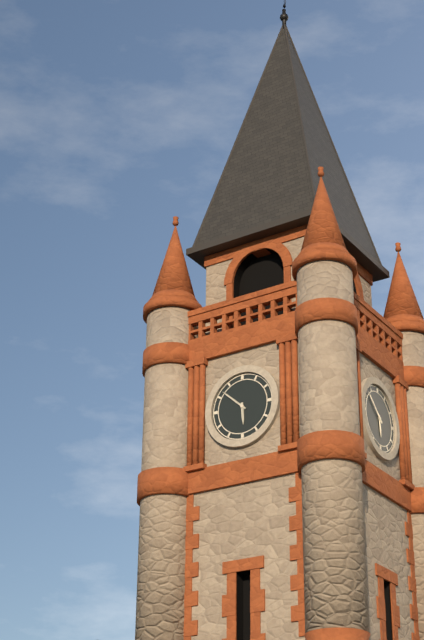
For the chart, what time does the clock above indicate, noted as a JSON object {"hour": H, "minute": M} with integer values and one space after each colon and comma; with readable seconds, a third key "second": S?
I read {"hour": 5, "minute": 52}
